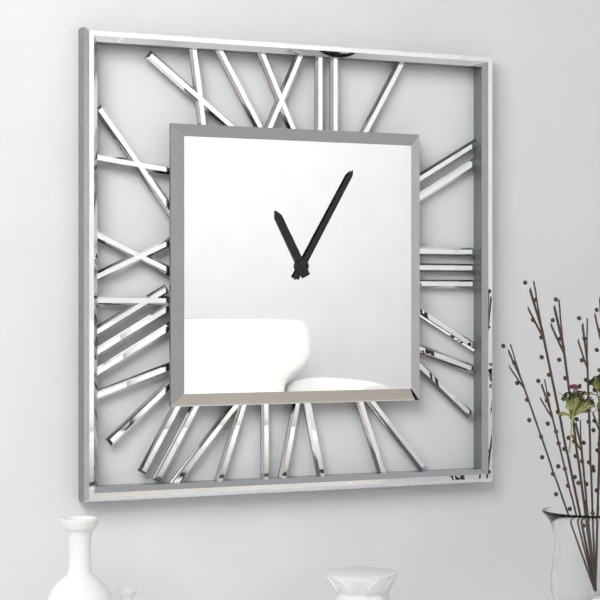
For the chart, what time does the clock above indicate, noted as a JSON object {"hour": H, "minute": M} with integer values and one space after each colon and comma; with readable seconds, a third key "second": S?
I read {"hour": 11, "minute": 5}
